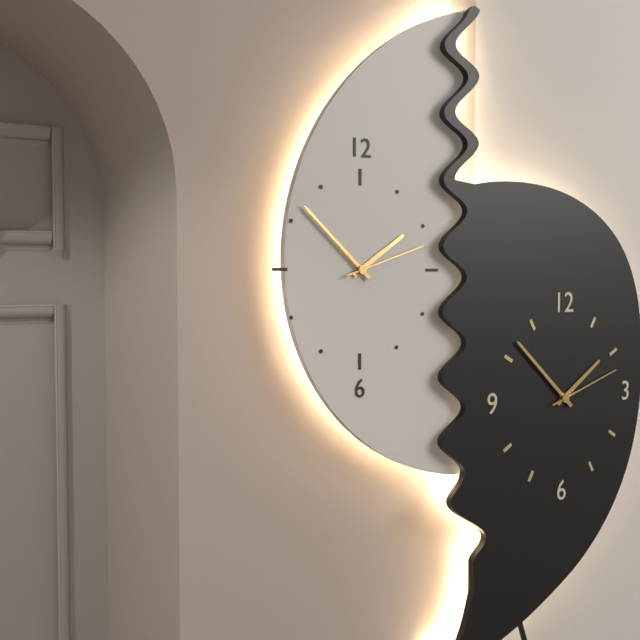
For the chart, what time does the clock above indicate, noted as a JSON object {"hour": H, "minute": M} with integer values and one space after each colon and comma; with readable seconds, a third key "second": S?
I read {"hour": 1, "minute": 52, "second": 12}
